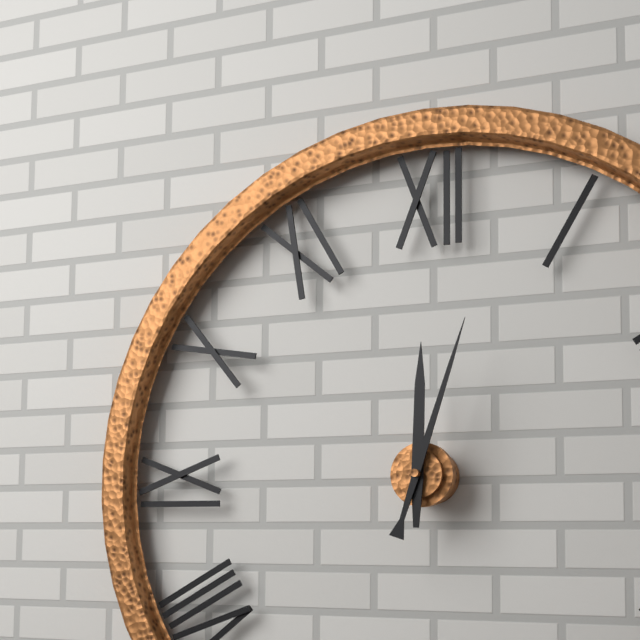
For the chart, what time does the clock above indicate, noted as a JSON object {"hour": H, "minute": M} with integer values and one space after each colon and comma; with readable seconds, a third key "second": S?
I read {"hour": 12, "minute": 3}
